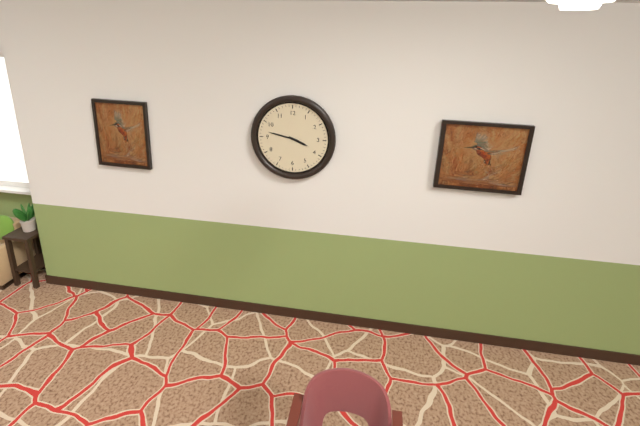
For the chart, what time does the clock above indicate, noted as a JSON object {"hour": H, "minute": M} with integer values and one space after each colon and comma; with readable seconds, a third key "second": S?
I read {"hour": 3, "minute": 47}
